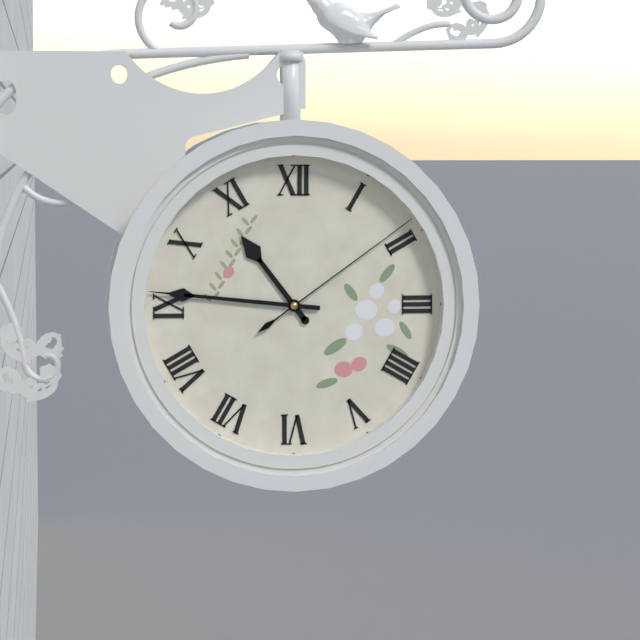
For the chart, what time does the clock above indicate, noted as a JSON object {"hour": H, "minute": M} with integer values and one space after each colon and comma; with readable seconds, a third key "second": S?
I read {"hour": 10, "minute": 46, "second": 9}
